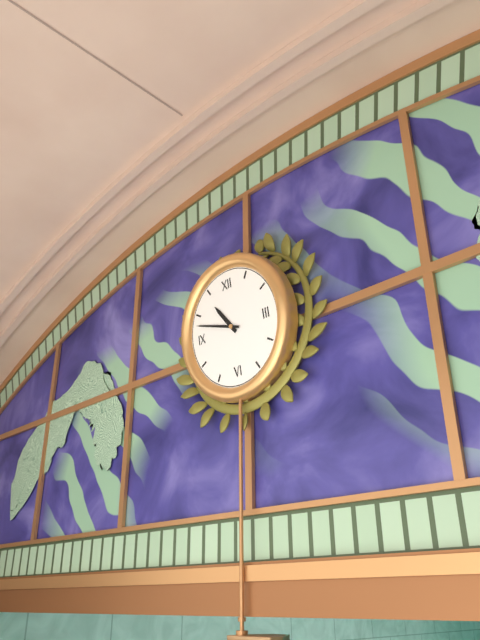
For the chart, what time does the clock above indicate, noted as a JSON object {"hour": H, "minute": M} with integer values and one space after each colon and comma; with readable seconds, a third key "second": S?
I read {"hour": 10, "minute": 48}
